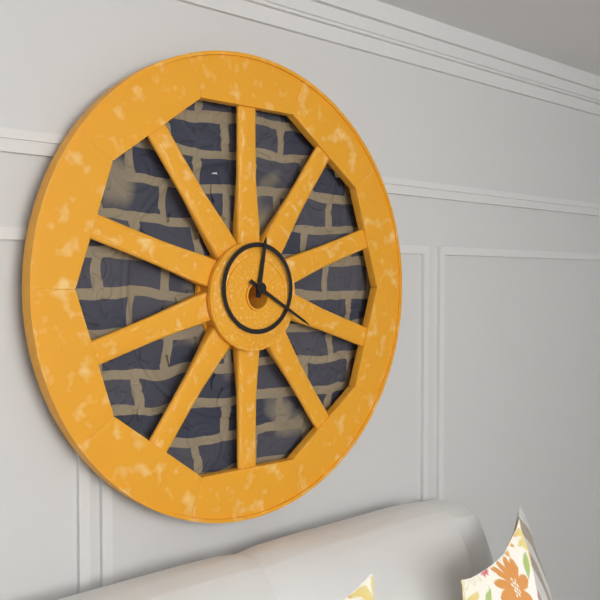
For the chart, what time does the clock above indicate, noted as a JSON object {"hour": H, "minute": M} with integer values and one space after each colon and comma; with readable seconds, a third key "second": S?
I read {"hour": 12, "minute": 20}
